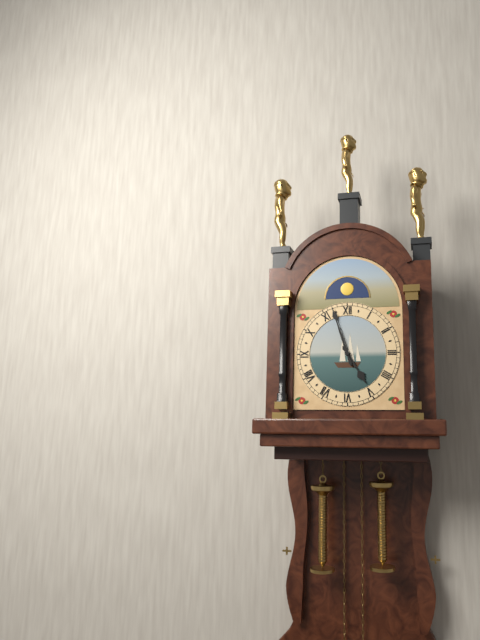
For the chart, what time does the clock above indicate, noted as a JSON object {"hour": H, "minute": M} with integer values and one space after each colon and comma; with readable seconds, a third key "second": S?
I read {"hour": 4, "minute": 57}
